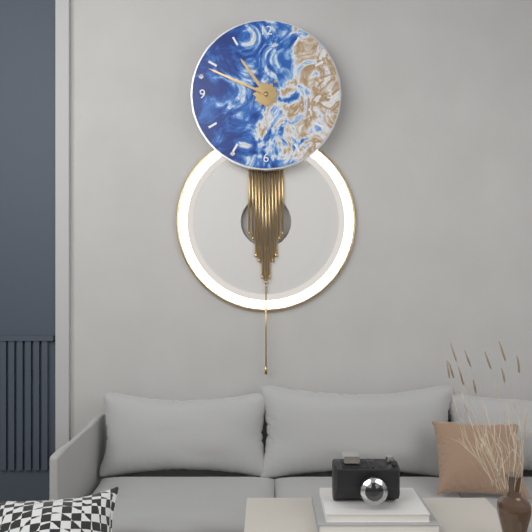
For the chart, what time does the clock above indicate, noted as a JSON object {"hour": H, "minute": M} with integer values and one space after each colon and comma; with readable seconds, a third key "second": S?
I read {"hour": 10, "minute": 49}
